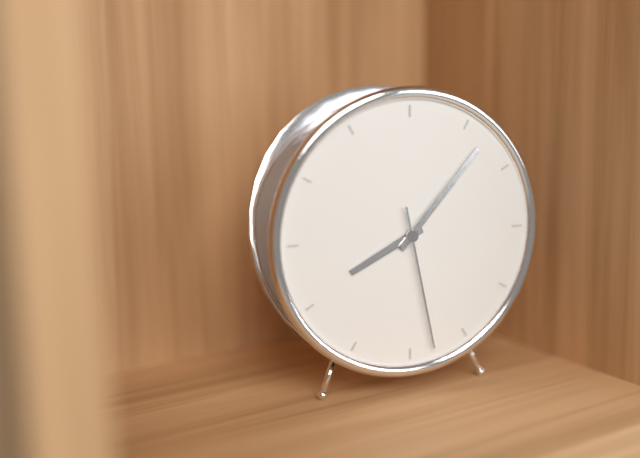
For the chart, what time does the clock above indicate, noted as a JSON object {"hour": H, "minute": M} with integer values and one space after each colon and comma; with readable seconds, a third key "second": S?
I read {"hour": 8, "minute": 7, "second": 28}
